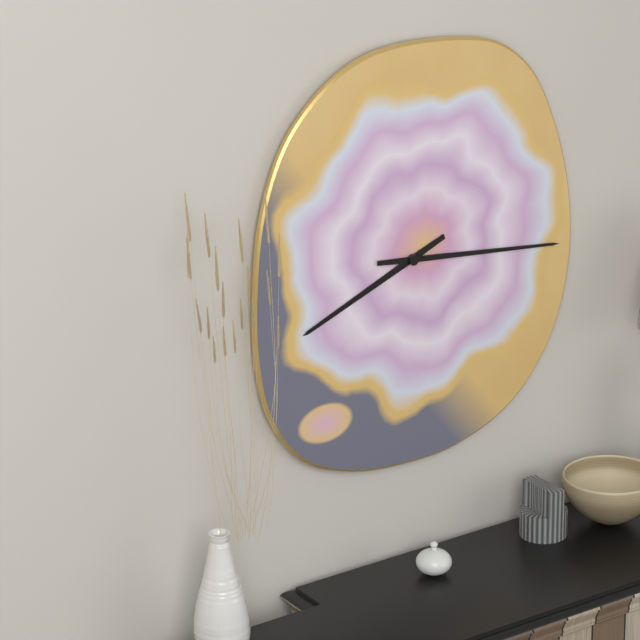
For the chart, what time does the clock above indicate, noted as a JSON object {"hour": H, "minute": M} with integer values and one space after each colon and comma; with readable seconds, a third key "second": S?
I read {"hour": 8, "minute": 16}
